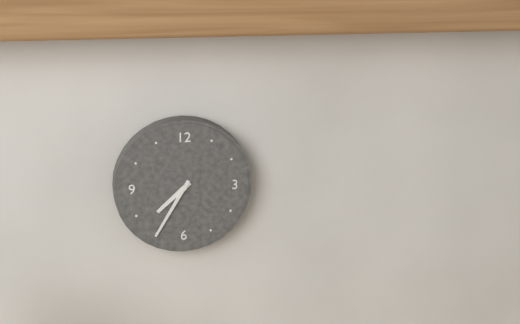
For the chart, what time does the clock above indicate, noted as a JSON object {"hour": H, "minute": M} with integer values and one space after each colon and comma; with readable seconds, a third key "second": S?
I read {"hour": 7, "minute": 35}
